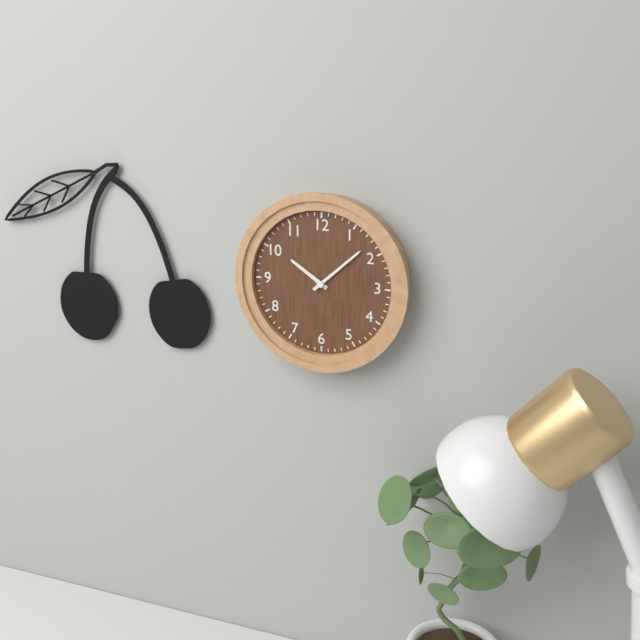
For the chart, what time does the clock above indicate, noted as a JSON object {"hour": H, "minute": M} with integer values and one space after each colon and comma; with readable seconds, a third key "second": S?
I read {"hour": 10, "minute": 8}
